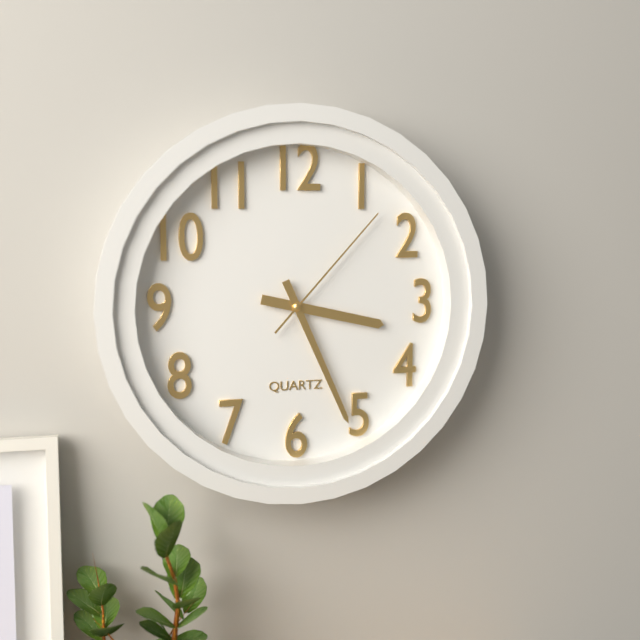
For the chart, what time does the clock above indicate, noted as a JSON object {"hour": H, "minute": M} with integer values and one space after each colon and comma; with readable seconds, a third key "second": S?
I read {"hour": 3, "minute": 26, "second": 7}
